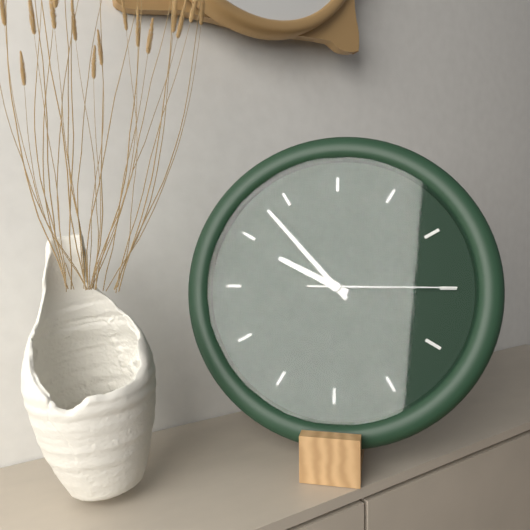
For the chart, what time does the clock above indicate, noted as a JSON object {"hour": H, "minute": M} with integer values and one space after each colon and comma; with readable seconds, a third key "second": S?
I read {"hour": 9, "minute": 53, "second": 15}
